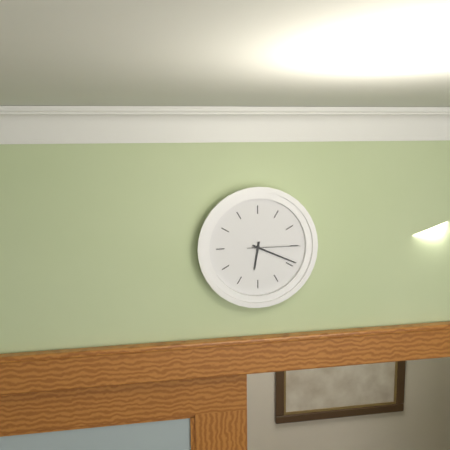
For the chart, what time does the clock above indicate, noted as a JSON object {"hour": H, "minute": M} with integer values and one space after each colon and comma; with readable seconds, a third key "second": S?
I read {"hour": 6, "minute": 19, "second": 15}
